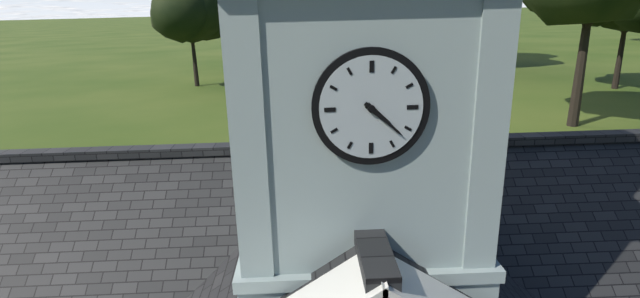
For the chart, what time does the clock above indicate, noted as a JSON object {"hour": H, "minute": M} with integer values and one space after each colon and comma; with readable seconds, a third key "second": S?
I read {"hour": 4, "minute": 22}
